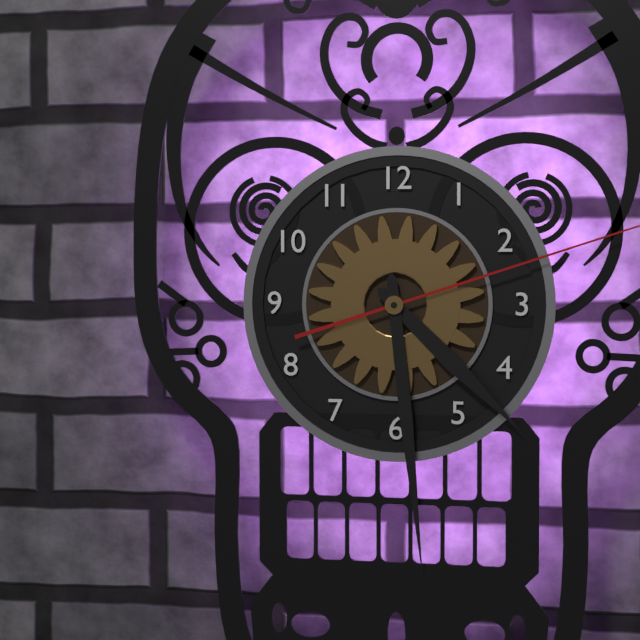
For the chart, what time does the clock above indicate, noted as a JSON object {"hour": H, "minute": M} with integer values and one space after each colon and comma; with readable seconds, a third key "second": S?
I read {"hour": 4, "minute": 29}
